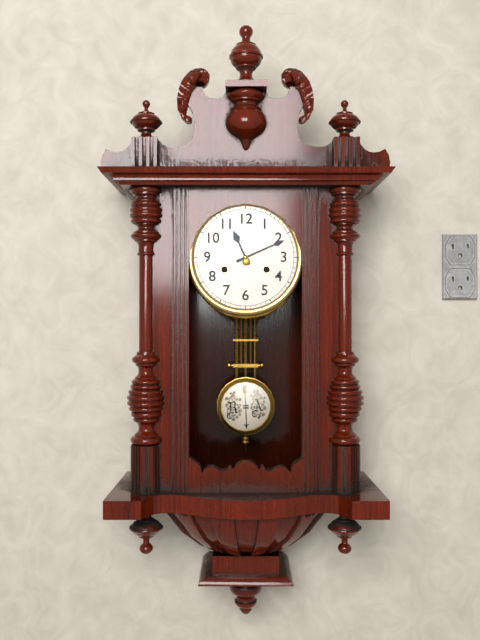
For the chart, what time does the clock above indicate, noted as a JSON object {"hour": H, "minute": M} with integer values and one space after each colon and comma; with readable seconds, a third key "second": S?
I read {"hour": 11, "minute": 11}
